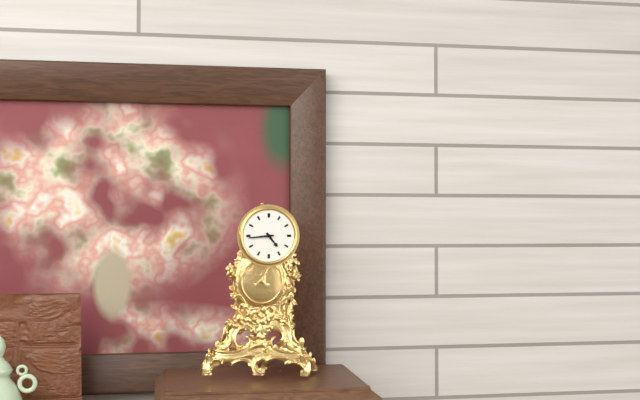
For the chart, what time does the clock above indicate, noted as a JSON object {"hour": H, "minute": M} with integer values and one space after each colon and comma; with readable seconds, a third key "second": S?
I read {"hour": 4, "minute": 44}
